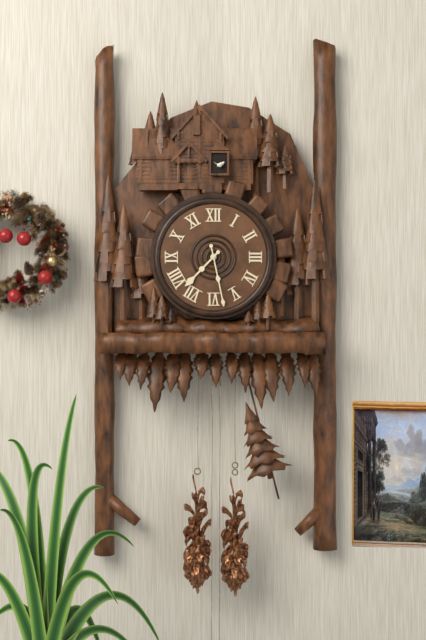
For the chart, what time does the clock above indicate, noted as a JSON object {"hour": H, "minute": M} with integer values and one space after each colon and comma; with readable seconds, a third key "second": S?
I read {"hour": 7, "minute": 28}
